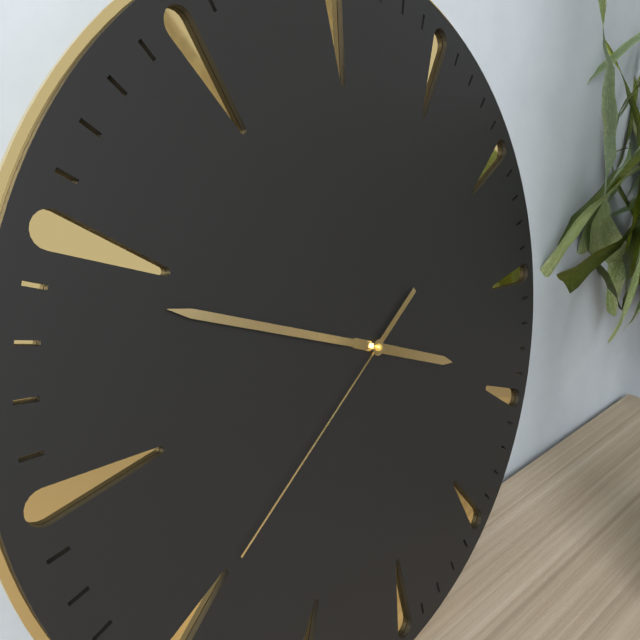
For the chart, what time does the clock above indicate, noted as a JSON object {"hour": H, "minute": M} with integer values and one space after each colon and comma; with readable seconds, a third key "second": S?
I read {"hour": 3, "minute": 49, "second": 40}
